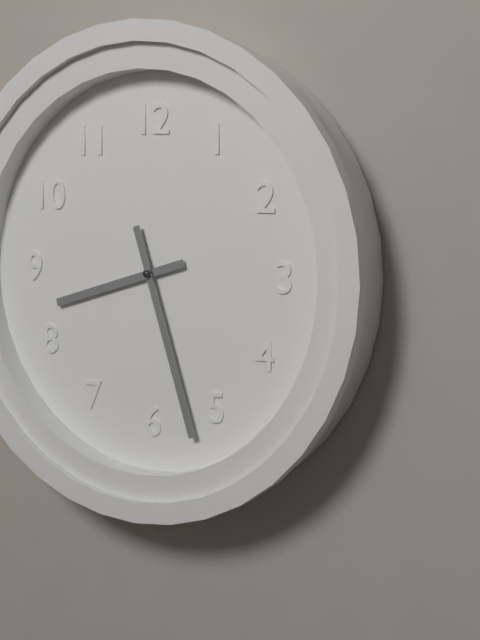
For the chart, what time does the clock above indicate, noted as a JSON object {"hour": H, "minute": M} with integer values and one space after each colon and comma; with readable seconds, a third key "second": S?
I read {"hour": 8, "minute": 27}
